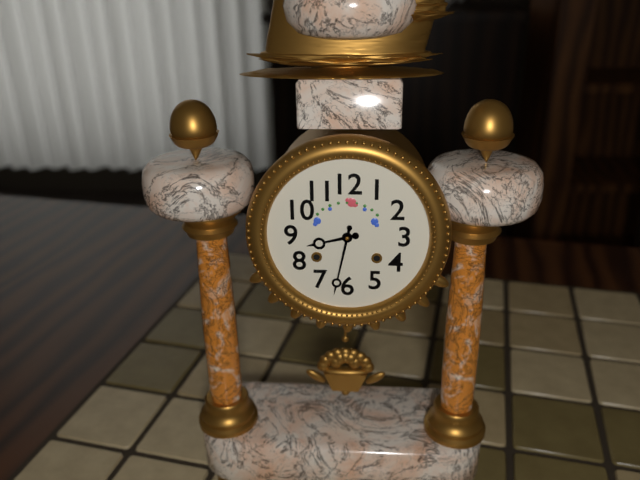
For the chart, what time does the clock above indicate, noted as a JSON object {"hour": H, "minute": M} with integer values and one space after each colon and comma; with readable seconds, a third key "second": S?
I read {"hour": 8, "minute": 32}
